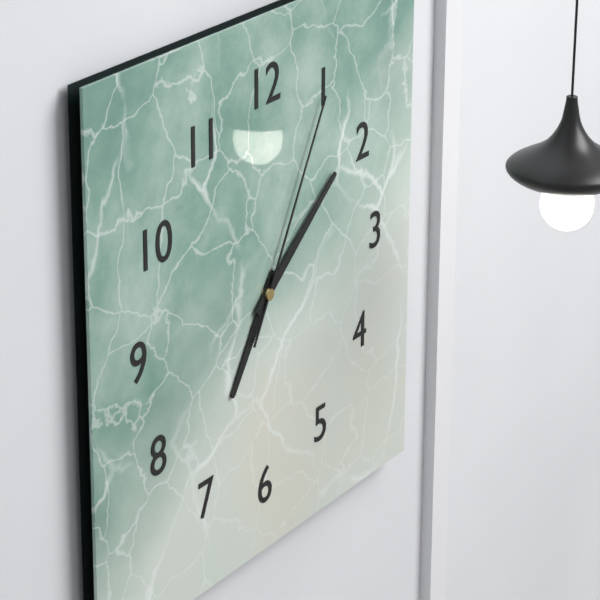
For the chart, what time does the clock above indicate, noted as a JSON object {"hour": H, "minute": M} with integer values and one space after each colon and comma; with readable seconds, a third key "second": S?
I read {"hour": 7, "minute": 9, "second": 5}
